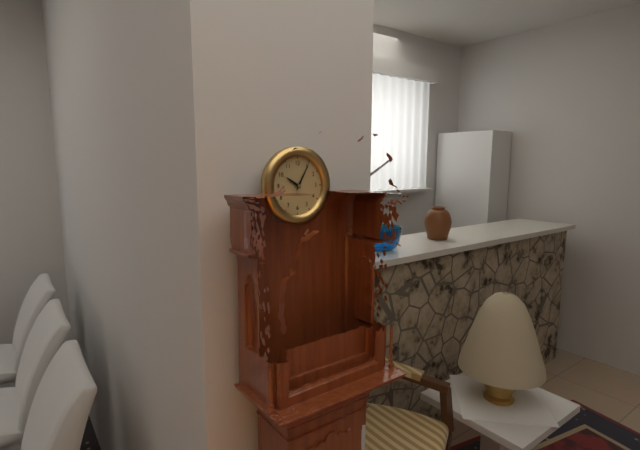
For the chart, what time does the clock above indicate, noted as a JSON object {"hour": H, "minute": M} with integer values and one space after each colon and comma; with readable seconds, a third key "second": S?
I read {"hour": 10, "minute": 5}
